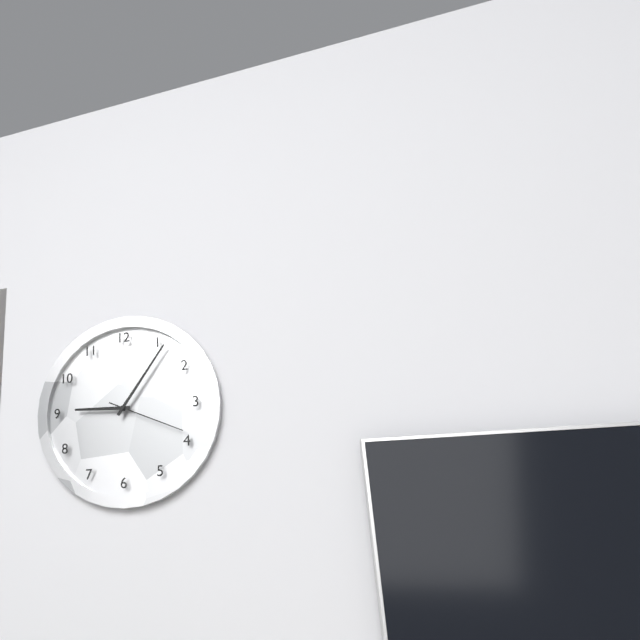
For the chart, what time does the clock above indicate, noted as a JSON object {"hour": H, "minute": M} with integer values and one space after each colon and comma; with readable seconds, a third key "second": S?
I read {"hour": 9, "minute": 6, "second": 19}
